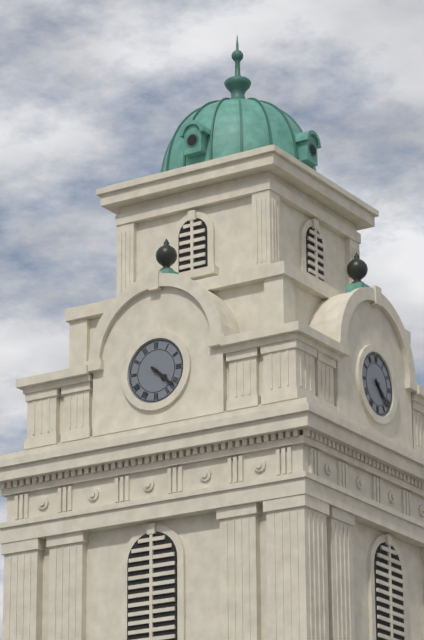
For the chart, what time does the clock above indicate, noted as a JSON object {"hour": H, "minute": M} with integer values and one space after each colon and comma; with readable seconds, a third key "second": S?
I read {"hour": 4, "minute": 22}
